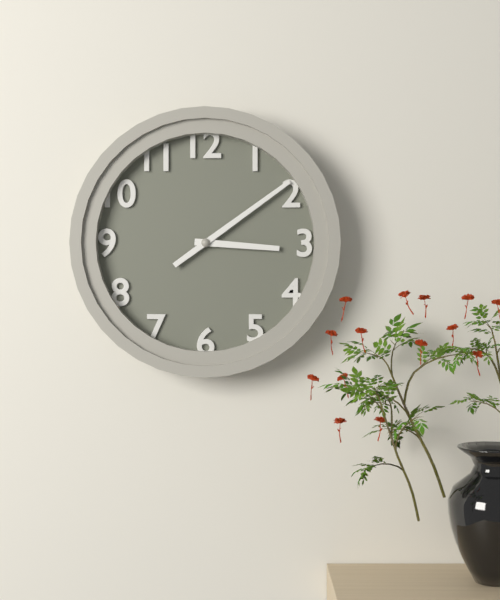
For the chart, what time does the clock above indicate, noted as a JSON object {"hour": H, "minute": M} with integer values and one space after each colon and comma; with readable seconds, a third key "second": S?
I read {"hour": 3, "minute": 9}
